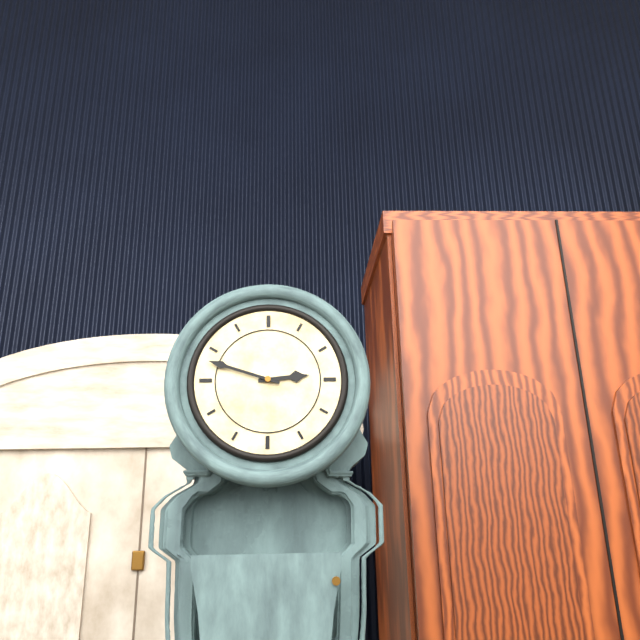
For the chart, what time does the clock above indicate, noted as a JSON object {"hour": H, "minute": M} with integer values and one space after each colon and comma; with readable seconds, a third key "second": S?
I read {"hour": 2, "minute": 48}
